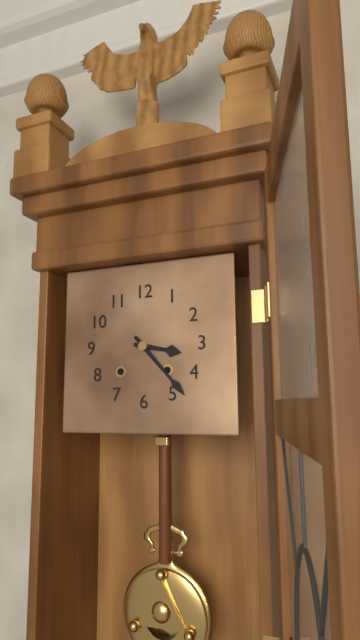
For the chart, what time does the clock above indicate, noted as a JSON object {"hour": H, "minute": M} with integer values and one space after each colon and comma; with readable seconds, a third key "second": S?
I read {"hour": 3, "minute": 23}
